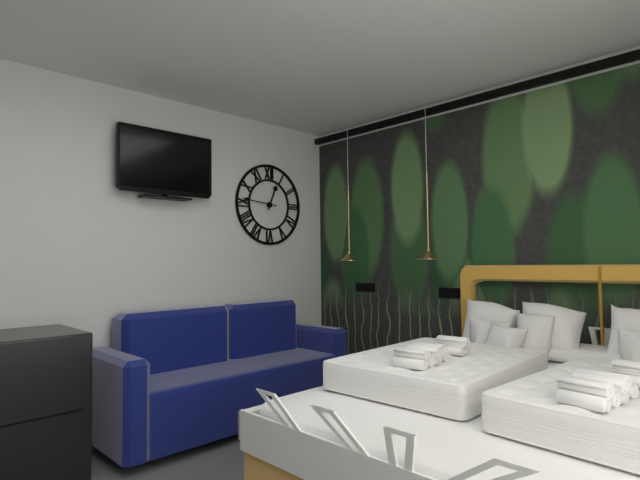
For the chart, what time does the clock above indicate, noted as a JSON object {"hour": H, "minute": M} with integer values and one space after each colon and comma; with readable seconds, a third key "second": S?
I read {"hour": 12, "minute": 46}
